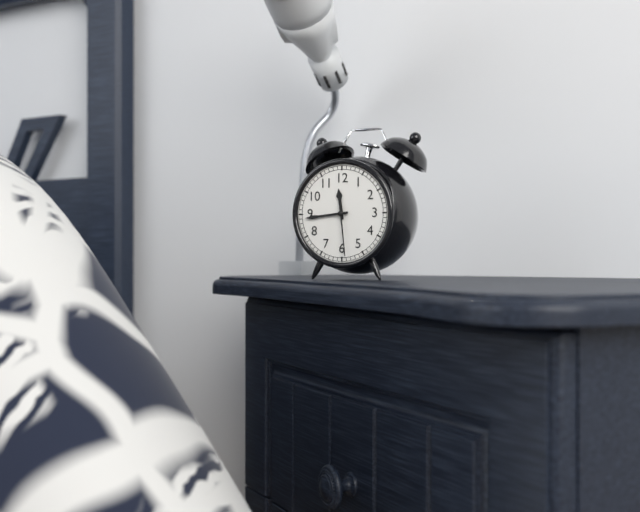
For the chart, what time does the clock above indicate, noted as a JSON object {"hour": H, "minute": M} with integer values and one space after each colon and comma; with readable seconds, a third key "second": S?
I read {"hour": 11, "minute": 44, "second": 29}
